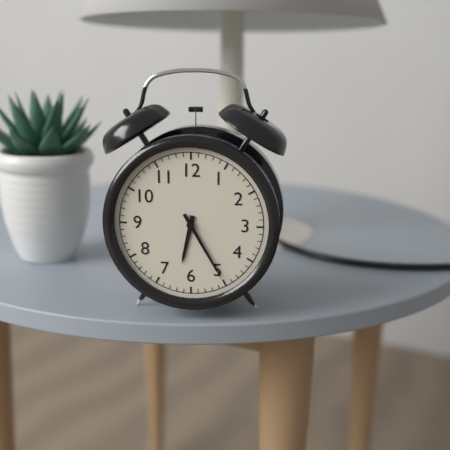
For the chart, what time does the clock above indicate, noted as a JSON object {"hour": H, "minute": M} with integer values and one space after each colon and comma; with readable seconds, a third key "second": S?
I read {"hour": 6, "minute": 25}
